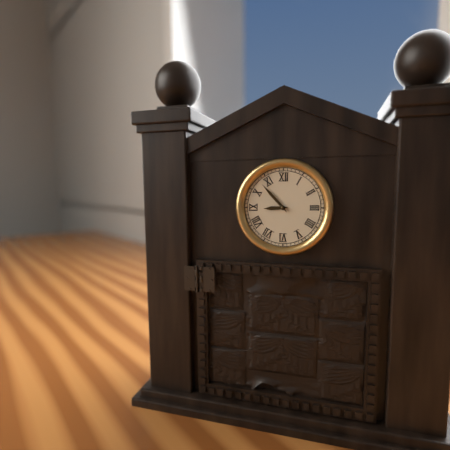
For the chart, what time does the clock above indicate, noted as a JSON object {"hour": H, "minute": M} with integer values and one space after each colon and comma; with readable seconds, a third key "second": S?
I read {"hour": 8, "minute": 53}
